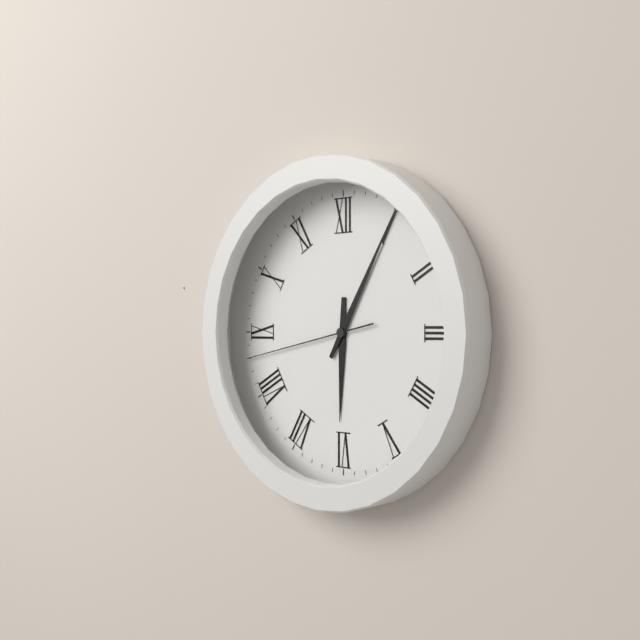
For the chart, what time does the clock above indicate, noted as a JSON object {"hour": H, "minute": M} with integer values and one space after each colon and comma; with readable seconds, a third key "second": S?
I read {"hour": 6, "minute": 5, "second": 43}
